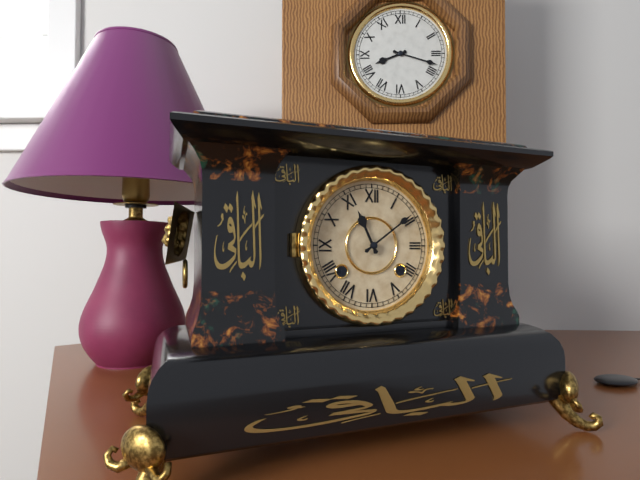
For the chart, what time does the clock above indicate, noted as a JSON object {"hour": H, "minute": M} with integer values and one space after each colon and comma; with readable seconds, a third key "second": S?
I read {"hour": 11, "minute": 9}
